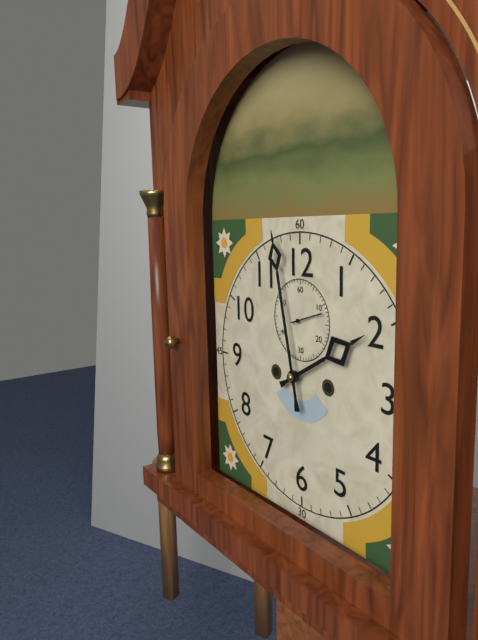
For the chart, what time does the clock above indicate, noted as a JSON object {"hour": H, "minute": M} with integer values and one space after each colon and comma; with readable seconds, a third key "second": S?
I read {"hour": 1, "minute": 58}
